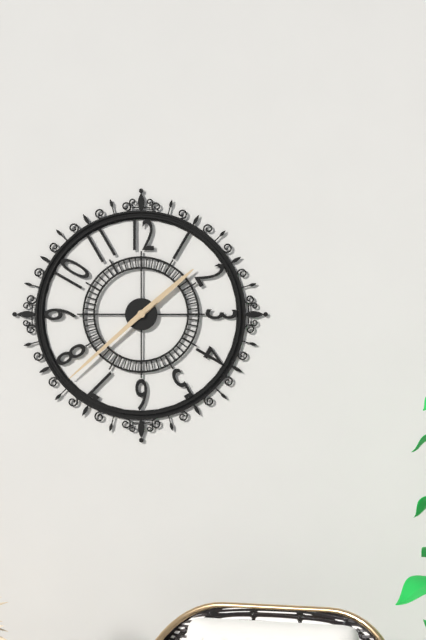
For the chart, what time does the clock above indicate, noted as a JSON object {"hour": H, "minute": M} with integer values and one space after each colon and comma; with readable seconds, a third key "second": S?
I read {"hour": 1, "minute": 38}
